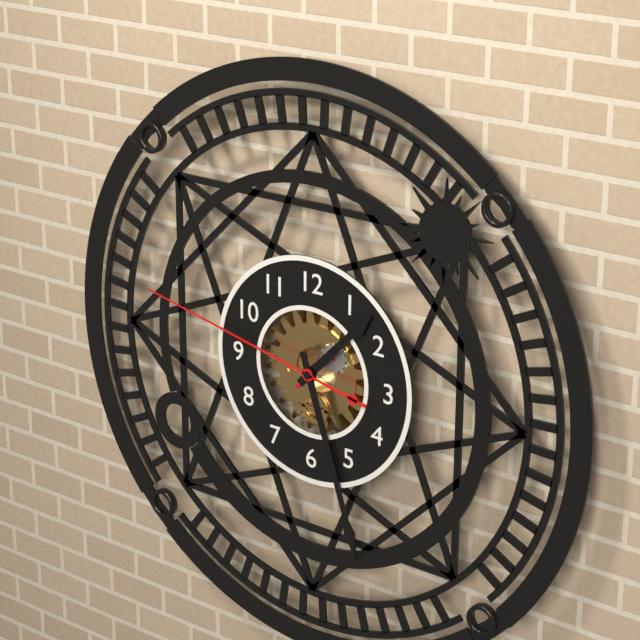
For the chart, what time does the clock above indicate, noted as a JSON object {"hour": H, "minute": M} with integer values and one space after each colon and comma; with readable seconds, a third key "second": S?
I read {"hour": 1, "minute": 27, "second": 47}
